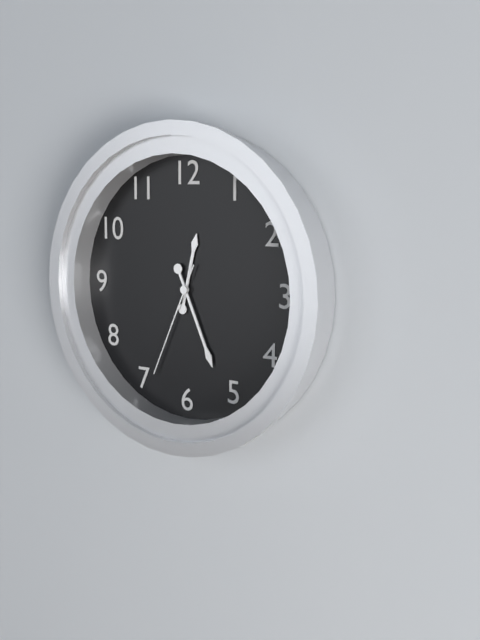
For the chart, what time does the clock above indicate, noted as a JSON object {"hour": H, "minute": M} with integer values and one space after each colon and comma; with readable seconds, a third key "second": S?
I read {"hour": 12, "minute": 26, "second": 34}
